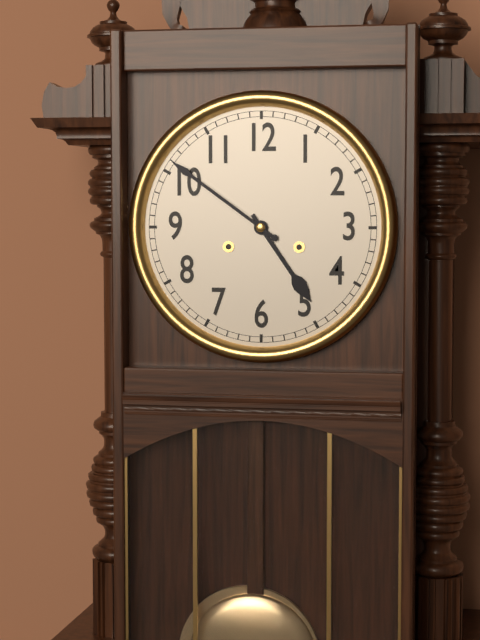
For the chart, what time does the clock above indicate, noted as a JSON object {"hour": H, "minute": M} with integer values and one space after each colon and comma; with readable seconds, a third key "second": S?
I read {"hour": 4, "minute": 51}
